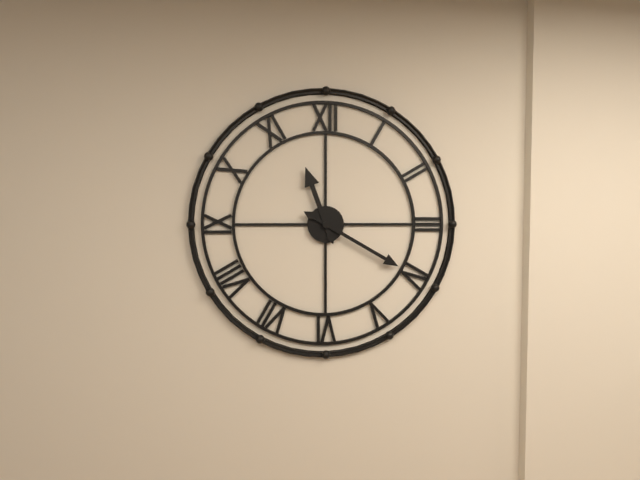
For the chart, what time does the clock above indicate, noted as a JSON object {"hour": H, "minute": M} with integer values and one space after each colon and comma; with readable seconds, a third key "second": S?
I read {"hour": 11, "minute": 20}
